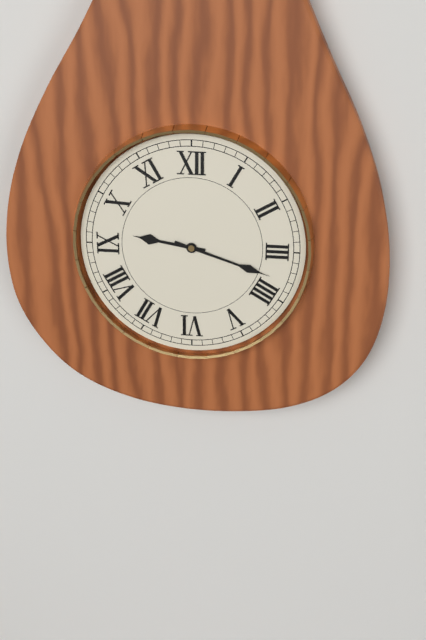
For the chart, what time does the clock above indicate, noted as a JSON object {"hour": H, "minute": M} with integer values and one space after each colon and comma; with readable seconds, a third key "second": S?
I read {"hour": 9, "minute": 18}
